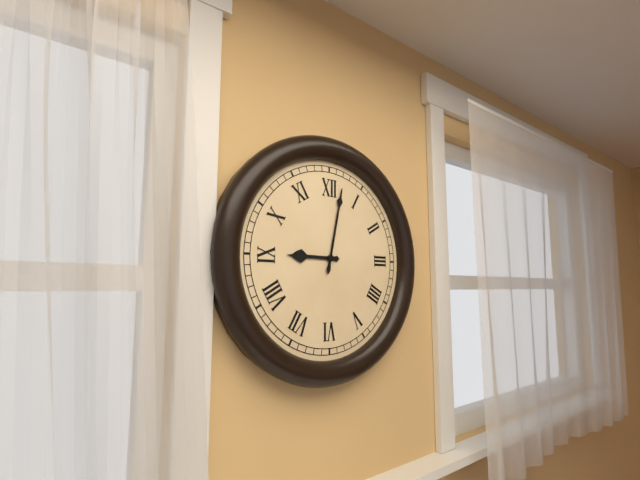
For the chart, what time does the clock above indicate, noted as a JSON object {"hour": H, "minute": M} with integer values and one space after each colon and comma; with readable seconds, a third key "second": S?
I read {"hour": 9, "minute": 2}
